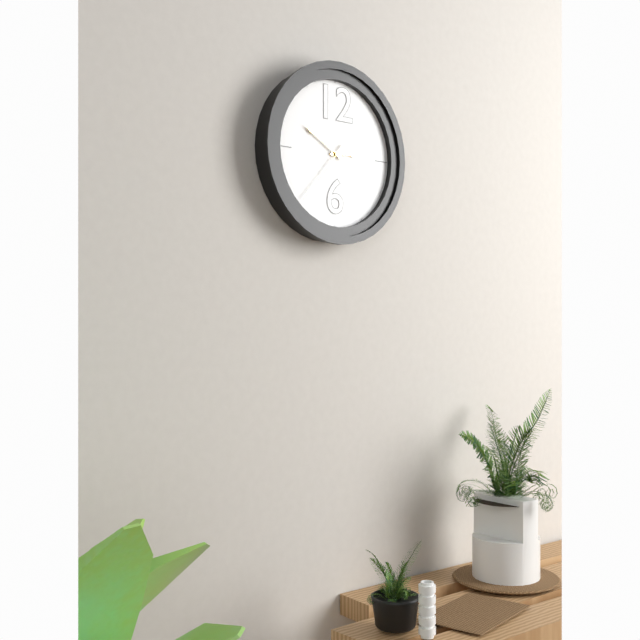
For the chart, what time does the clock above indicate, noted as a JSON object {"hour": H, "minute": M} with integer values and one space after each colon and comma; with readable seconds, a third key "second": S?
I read {"hour": 2, "minute": 50, "second": 37}
